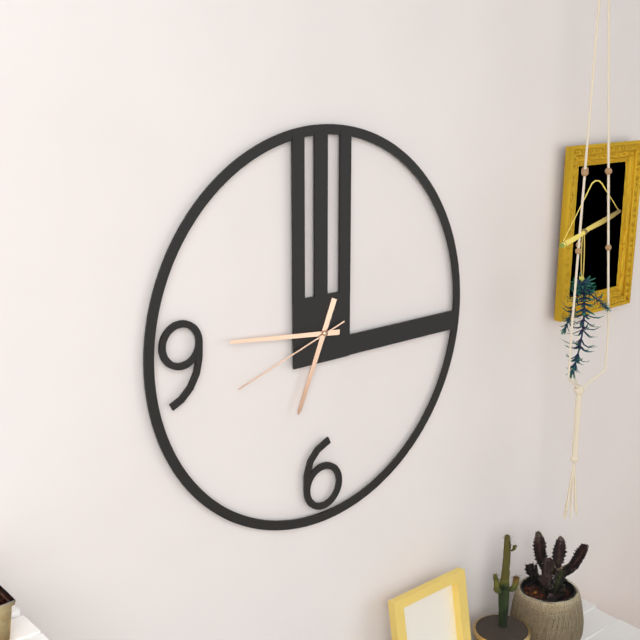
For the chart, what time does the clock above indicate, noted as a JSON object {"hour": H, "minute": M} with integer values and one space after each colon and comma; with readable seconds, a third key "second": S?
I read {"hour": 6, "minute": 46, "second": 42}
